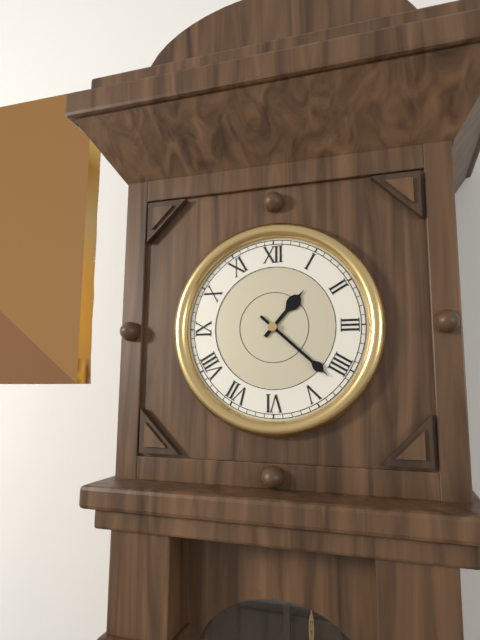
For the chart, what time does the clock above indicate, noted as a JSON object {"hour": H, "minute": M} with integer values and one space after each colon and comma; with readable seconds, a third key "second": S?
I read {"hour": 1, "minute": 22}
